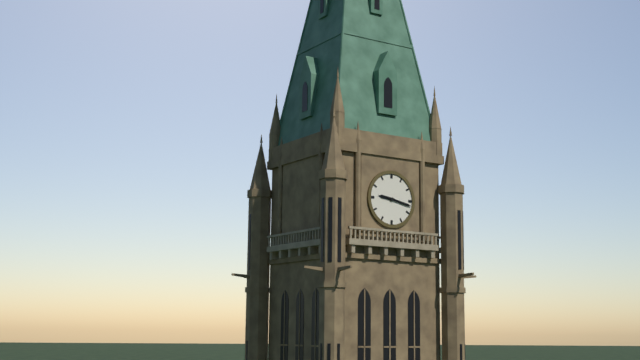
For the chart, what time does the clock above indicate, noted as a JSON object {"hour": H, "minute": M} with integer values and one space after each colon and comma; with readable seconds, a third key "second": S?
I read {"hour": 9, "minute": 17}
